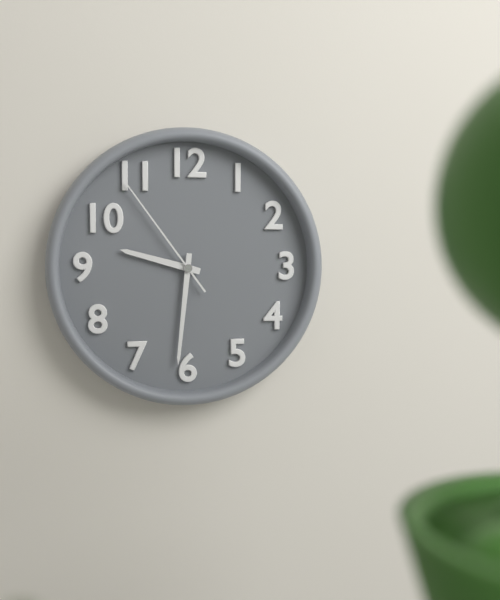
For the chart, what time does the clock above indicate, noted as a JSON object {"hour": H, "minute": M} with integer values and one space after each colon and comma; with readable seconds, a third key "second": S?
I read {"hour": 9, "minute": 31, "second": 54}
